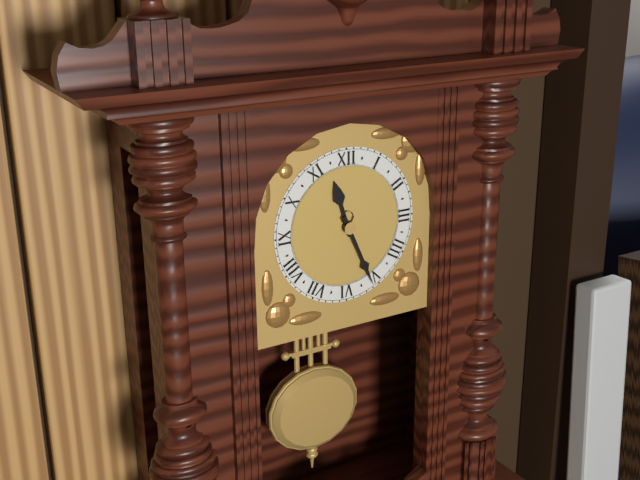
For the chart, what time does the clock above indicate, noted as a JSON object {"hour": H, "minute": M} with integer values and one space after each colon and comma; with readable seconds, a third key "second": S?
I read {"hour": 11, "minute": 26}
